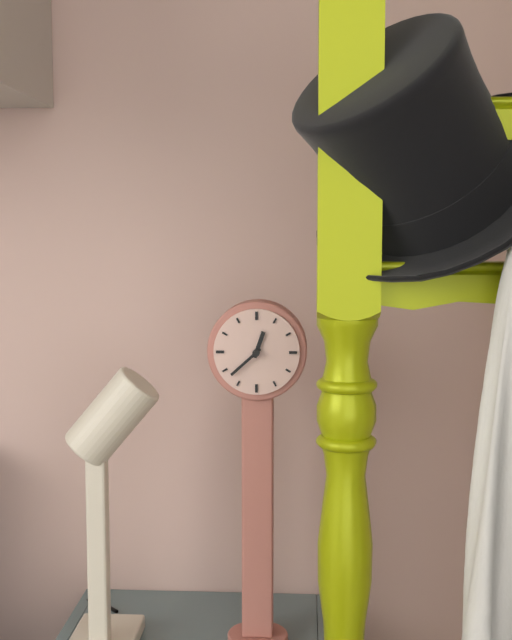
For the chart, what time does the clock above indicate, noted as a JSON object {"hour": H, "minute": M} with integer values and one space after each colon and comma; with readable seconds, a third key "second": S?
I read {"hour": 12, "minute": 38}
